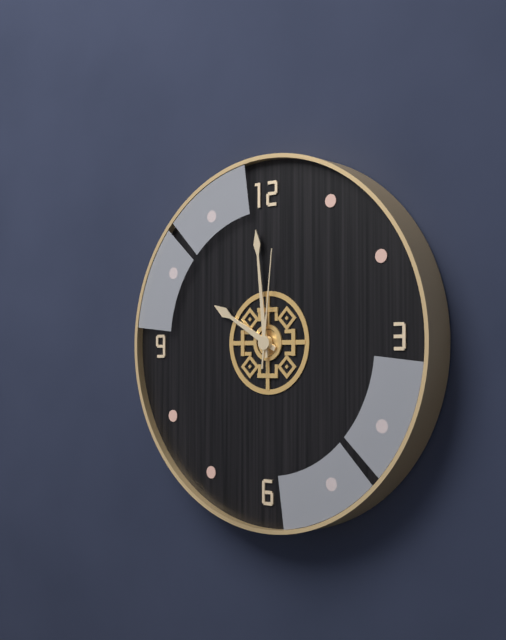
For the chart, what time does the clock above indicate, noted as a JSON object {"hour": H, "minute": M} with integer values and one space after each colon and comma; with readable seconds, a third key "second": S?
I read {"hour": 9, "minute": 59, "second": 1}
